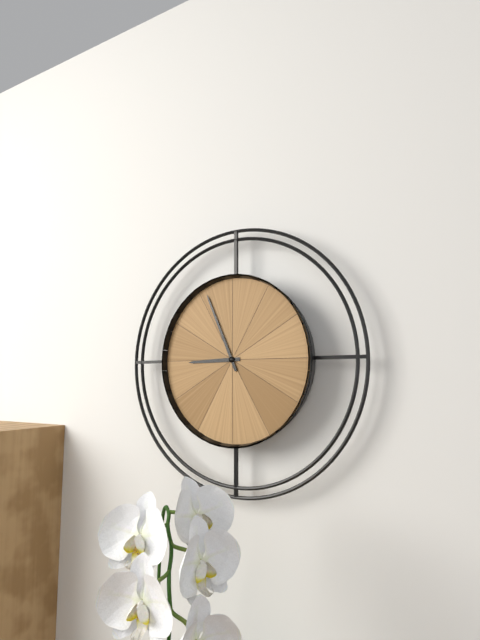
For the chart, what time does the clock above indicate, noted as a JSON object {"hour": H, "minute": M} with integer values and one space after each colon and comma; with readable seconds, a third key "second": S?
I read {"hour": 8, "minute": 56}
